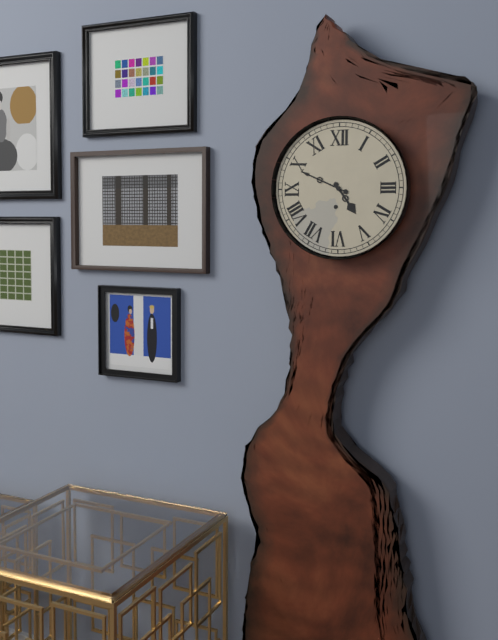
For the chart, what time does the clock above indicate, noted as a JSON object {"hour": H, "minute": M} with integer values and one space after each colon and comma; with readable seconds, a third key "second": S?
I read {"hour": 4, "minute": 49}
